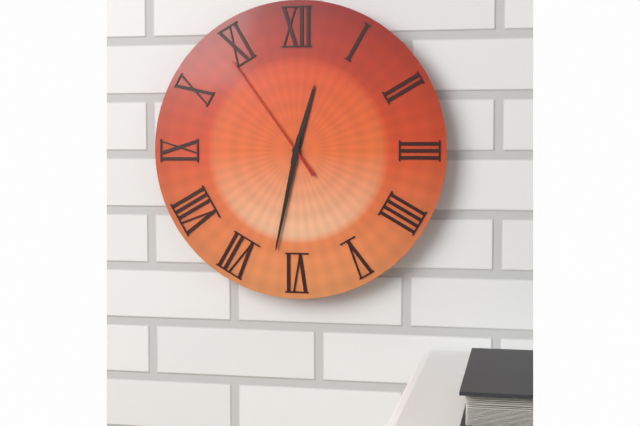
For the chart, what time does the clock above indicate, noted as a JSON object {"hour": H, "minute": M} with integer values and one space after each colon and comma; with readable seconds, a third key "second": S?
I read {"hour": 12, "minute": 32, "second": 54}
